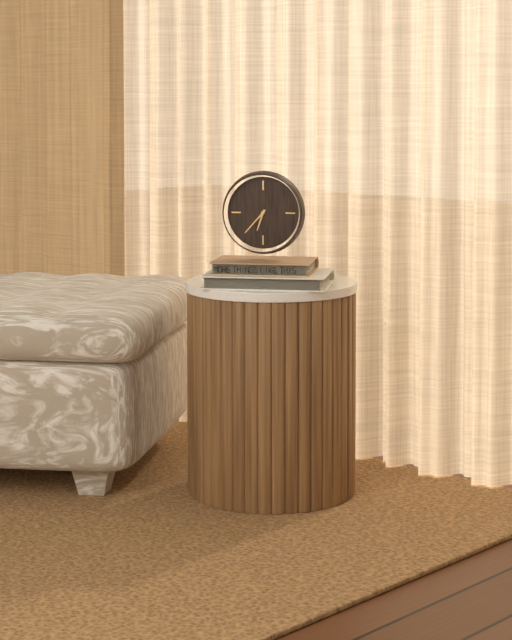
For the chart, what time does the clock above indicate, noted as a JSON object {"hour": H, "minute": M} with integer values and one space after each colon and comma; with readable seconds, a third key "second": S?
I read {"hour": 6, "minute": 37}
